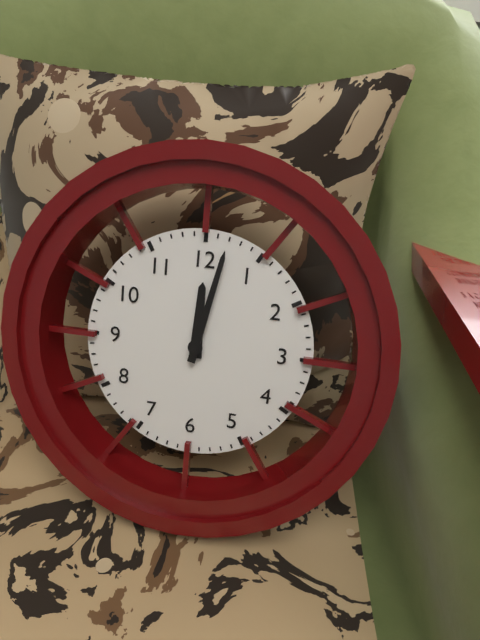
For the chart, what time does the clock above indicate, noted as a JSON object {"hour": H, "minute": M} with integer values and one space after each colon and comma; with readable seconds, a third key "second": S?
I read {"hour": 12, "minute": 2}
